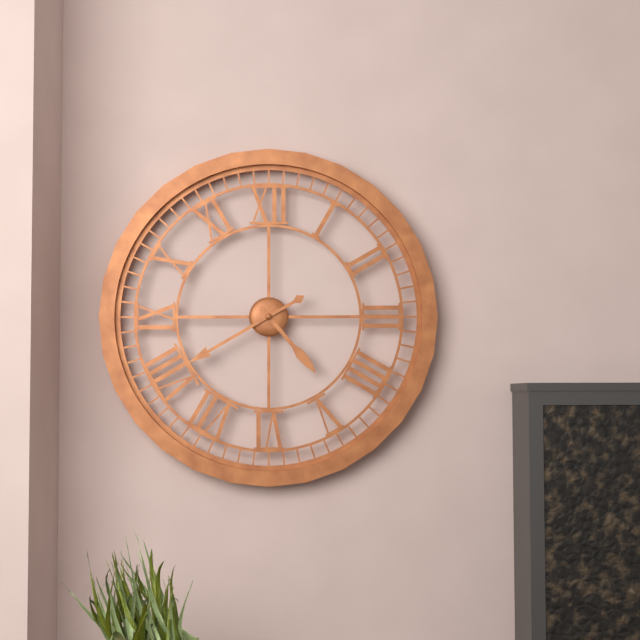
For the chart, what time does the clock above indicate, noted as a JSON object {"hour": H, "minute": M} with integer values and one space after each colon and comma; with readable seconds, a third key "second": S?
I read {"hour": 4, "minute": 40}
